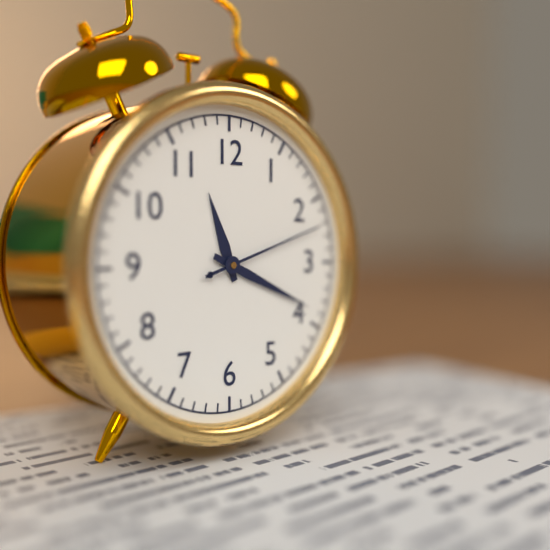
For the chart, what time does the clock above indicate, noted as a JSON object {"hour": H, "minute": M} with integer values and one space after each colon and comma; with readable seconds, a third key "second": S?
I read {"hour": 11, "minute": 19, "second": 12}
